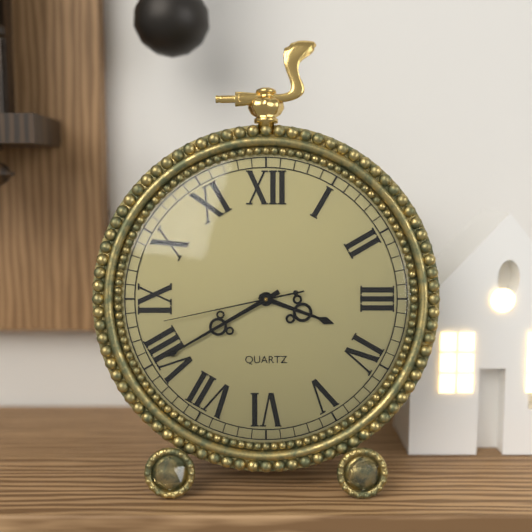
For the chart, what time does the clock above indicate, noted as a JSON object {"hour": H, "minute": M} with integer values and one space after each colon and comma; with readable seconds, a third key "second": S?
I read {"hour": 3, "minute": 40, "second": 43}
